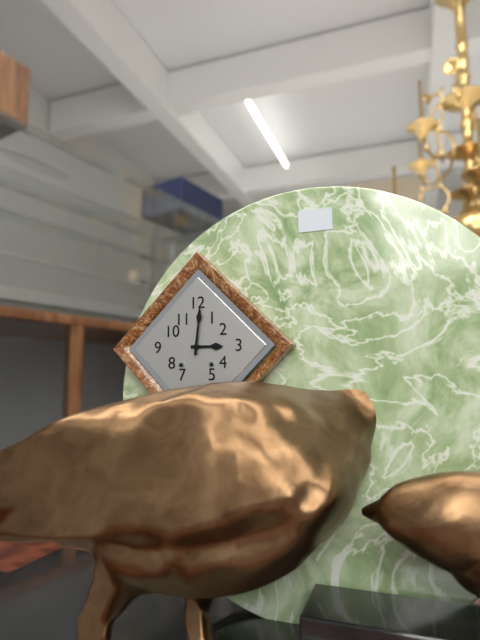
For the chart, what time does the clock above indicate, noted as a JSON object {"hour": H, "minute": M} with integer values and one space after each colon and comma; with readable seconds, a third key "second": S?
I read {"hour": 3, "minute": 1}
